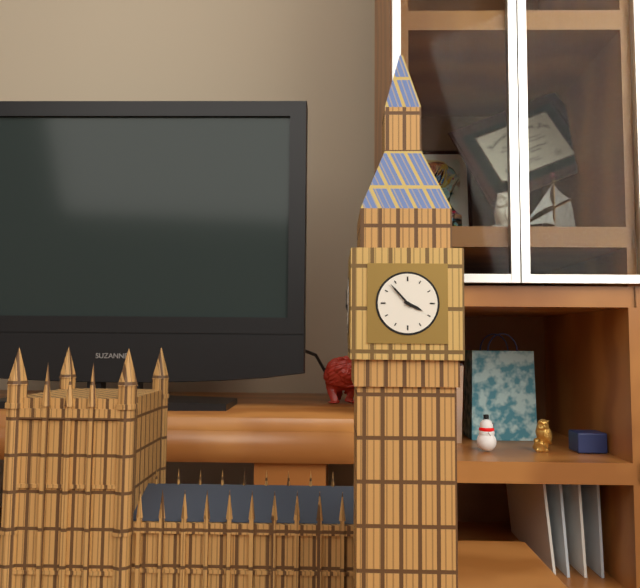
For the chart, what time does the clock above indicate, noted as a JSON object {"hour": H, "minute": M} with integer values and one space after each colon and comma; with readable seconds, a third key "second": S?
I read {"hour": 3, "minute": 53}
